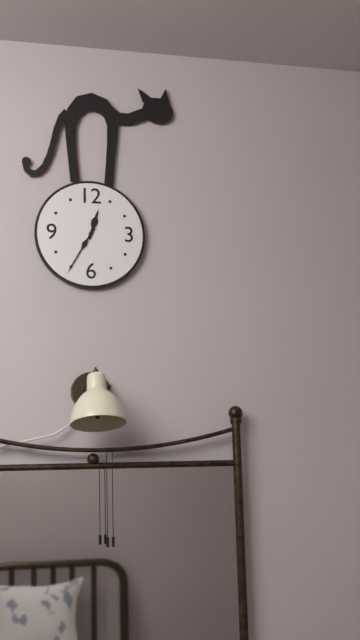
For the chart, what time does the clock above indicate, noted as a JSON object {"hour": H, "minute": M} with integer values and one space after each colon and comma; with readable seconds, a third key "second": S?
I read {"hour": 12, "minute": 35}
